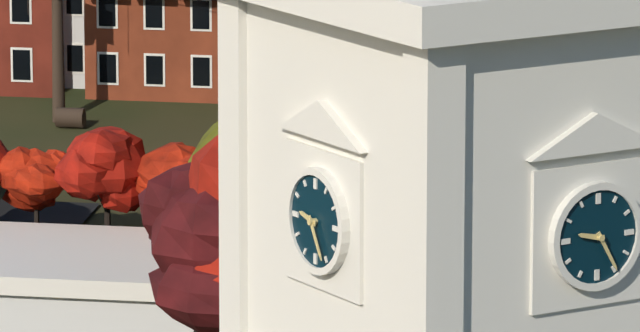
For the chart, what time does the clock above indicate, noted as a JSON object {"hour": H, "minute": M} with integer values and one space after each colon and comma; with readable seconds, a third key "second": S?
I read {"hour": 9, "minute": 25}
